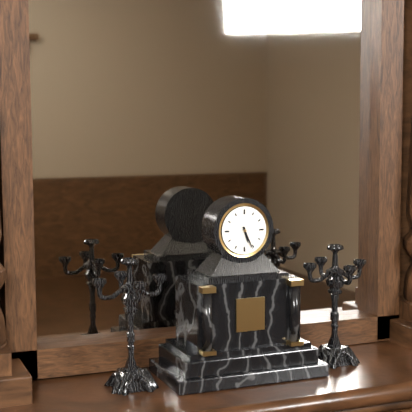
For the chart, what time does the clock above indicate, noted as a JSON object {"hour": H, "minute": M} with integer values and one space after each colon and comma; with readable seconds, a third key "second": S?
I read {"hour": 5, "minute": 26}
